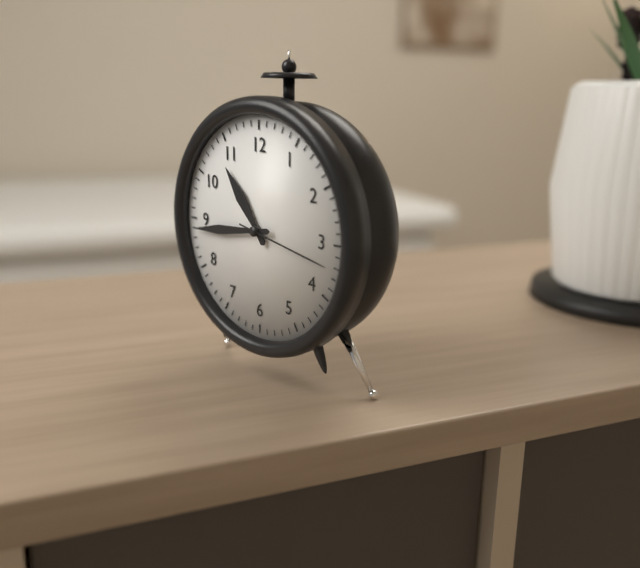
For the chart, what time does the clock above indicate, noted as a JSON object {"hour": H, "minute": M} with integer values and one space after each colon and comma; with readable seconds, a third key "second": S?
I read {"hour": 10, "minute": 44, "second": 17}
